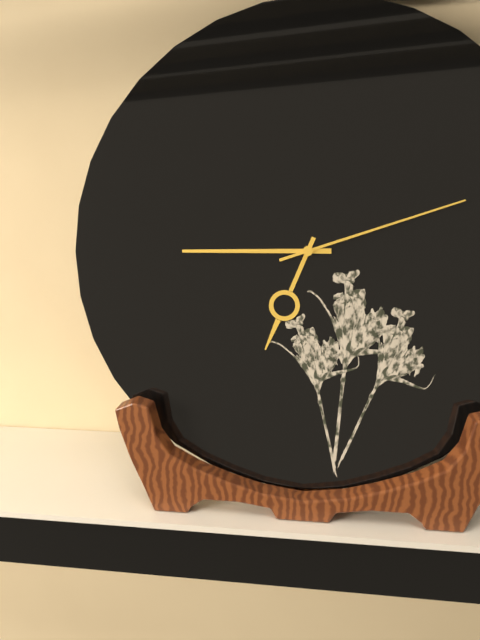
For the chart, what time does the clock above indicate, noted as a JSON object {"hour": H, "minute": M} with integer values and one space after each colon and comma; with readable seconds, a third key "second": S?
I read {"hour": 6, "minute": 45, "second": 12}
